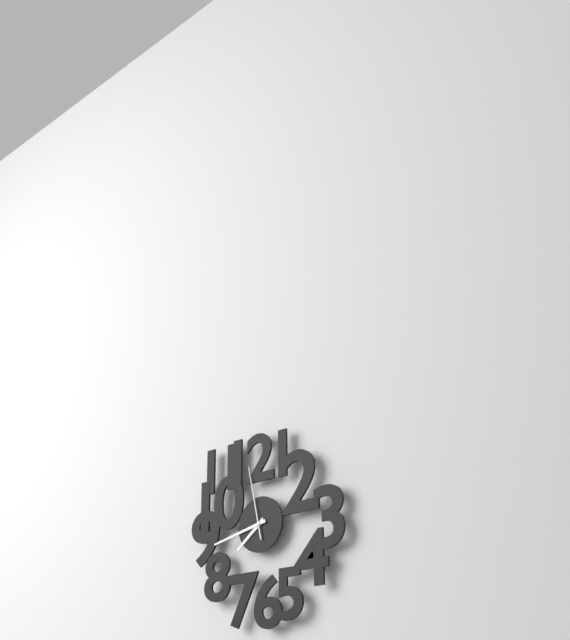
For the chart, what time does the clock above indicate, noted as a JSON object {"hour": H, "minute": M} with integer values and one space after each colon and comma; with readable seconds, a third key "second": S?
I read {"hour": 7, "minute": 43, "second": 58}
